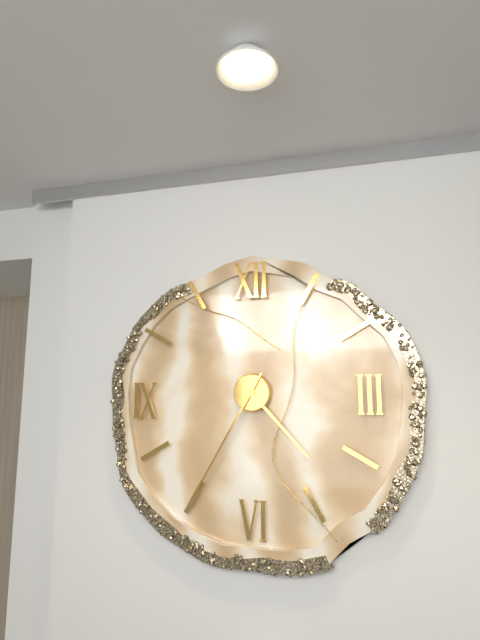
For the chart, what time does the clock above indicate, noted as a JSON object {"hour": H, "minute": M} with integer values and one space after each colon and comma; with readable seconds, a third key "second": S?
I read {"hour": 4, "minute": 35}
